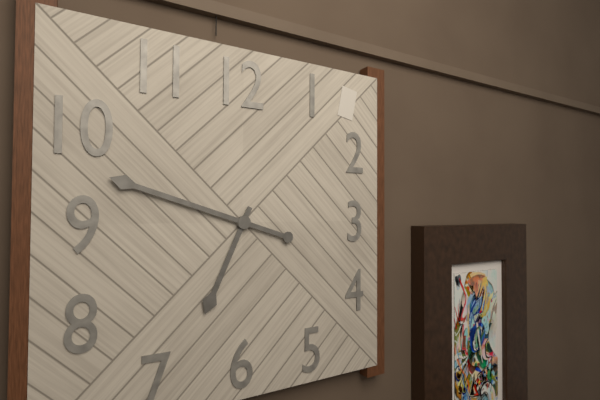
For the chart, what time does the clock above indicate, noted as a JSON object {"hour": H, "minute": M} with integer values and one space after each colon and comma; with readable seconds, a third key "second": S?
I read {"hour": 6, "minute": 48}
